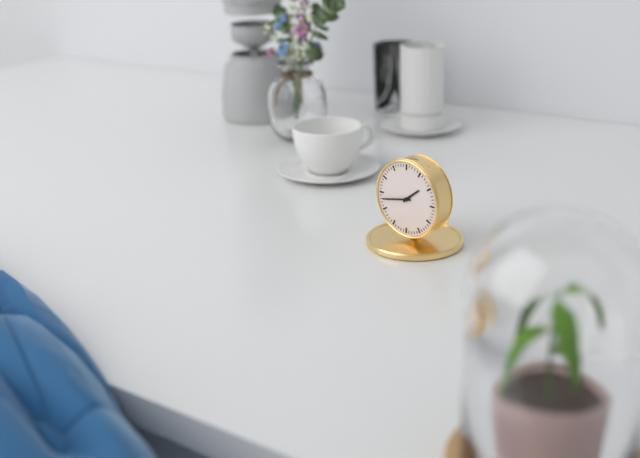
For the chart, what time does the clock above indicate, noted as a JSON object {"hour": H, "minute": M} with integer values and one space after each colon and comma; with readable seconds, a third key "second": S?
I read {"hour": 1, "minute": 43}
